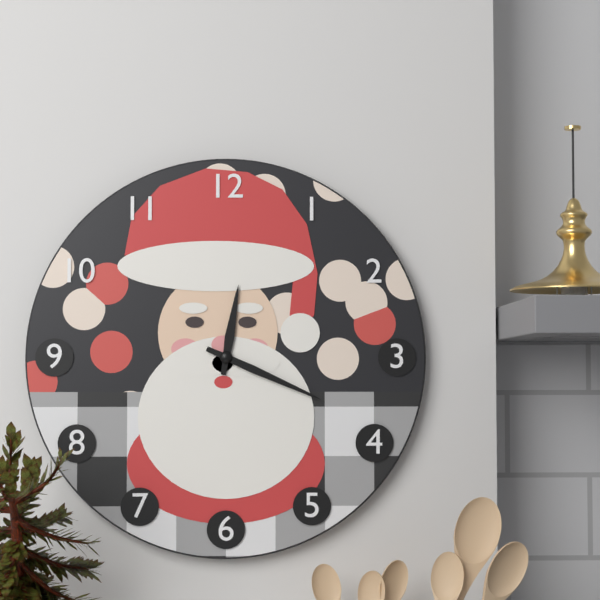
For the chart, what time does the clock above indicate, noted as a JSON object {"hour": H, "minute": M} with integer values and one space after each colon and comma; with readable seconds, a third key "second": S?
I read {"hour": 12, "minute": 19}
